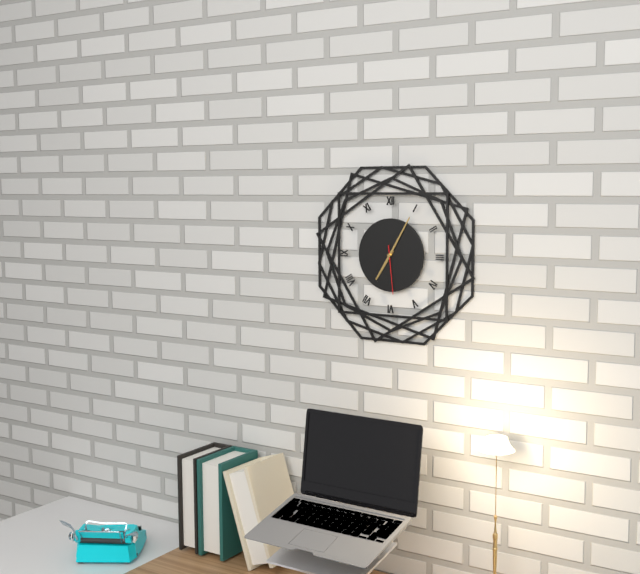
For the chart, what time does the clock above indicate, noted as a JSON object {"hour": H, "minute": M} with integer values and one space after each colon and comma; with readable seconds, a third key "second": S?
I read {"hour": 7, "minute": 5}
